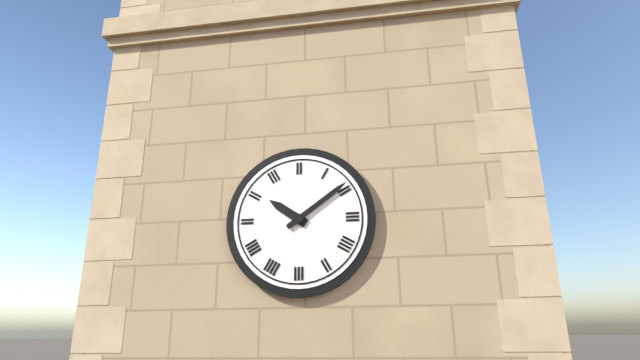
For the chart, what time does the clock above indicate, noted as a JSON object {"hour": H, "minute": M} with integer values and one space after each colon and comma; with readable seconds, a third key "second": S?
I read {"hour": 10, "minute": 9}
